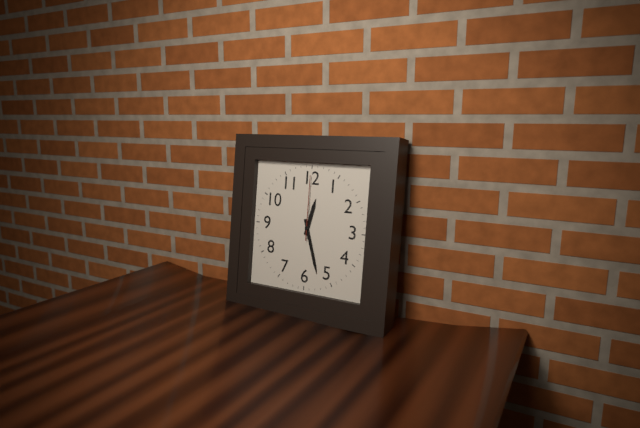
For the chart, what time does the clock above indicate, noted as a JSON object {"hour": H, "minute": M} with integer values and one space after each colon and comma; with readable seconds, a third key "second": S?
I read {"hour": 12, "minute": 27, "second": 0}
